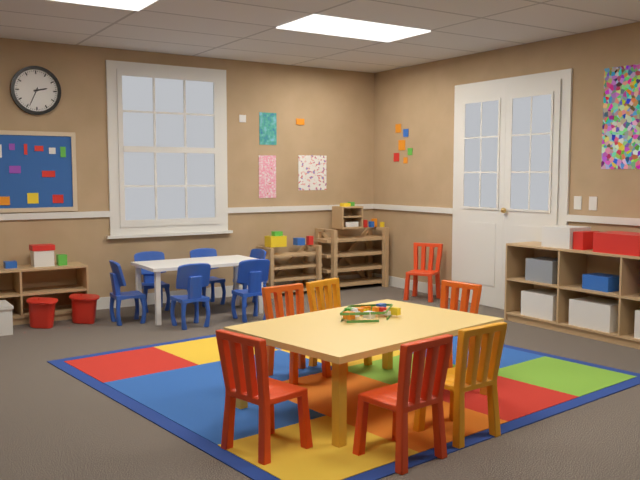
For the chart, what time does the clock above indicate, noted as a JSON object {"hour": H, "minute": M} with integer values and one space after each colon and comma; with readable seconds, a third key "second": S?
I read {"hour": 2, "minute": 34}
